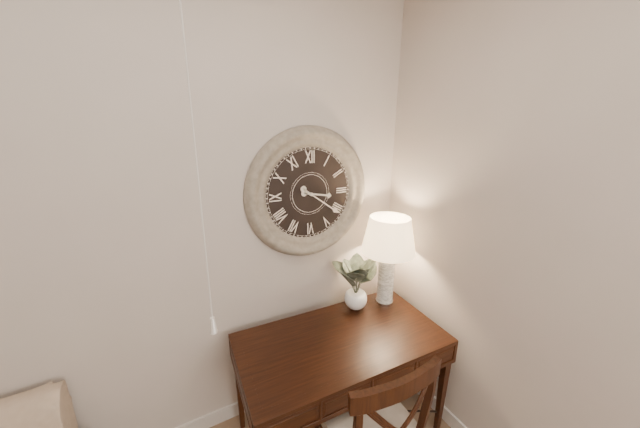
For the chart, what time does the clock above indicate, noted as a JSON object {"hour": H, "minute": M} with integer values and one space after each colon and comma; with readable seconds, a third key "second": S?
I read {"hour": 3, "minute": 21}
